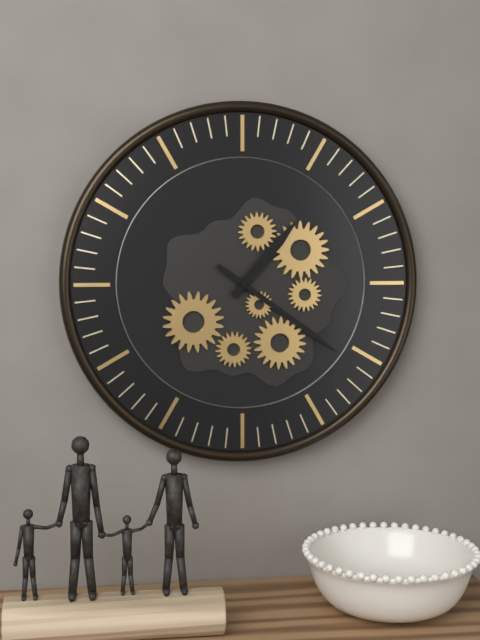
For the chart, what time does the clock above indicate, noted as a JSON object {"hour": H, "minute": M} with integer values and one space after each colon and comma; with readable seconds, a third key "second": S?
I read {"hour": 1, "minute": 21}
